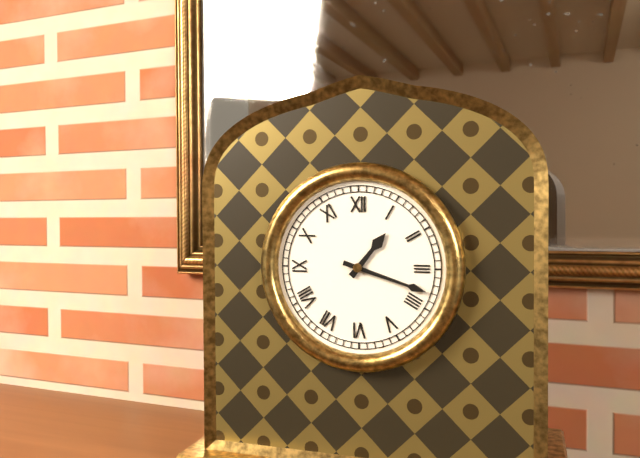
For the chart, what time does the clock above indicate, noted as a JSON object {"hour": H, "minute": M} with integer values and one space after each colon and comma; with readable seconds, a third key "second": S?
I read {"hour": 1, "minute": 18}
